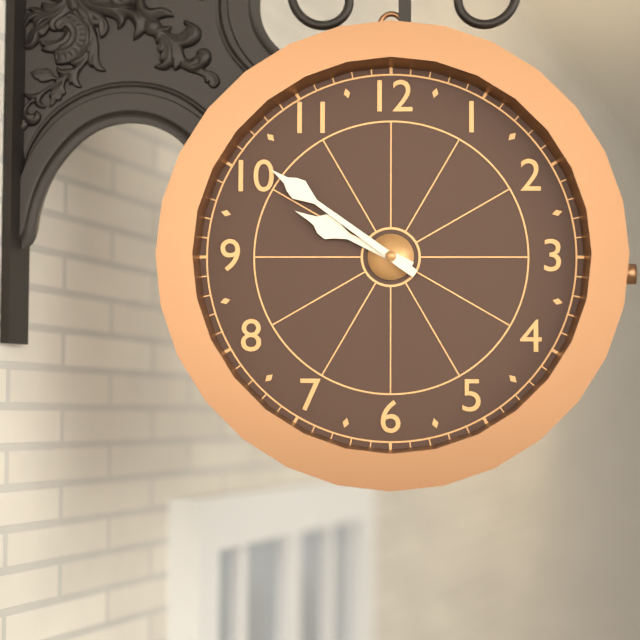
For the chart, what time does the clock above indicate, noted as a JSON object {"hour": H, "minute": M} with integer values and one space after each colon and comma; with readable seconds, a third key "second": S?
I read {"hour": 9, "minute": 51}
